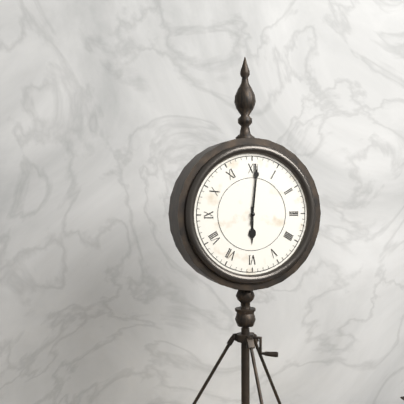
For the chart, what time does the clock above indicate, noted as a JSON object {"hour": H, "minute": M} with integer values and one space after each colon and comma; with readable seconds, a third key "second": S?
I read {"hour": 6, "minute": 1}
